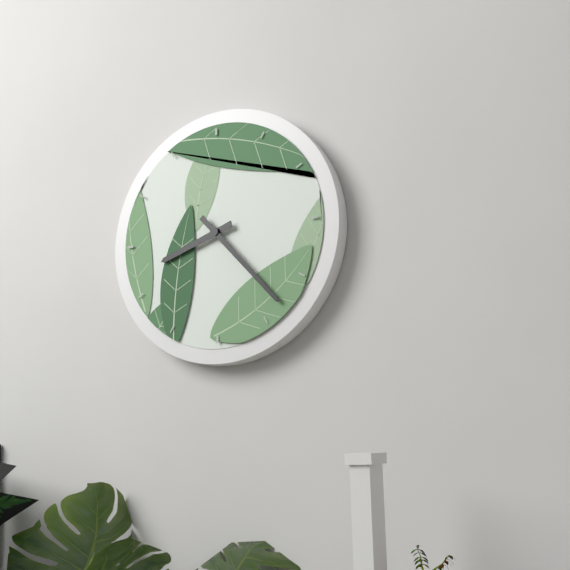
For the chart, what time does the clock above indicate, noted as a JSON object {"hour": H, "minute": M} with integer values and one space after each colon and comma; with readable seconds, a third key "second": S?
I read {"hour": 8, "minute": 23}
